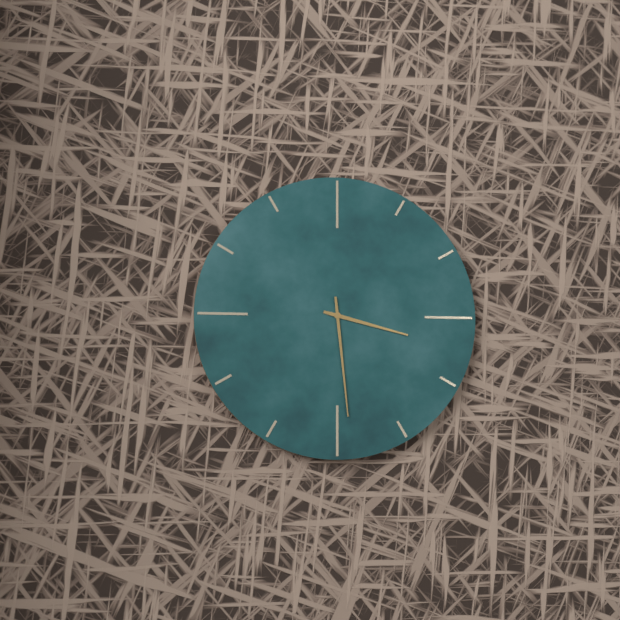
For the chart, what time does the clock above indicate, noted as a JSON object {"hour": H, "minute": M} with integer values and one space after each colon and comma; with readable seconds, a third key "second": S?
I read {"hour": 3, "minute": 29}
